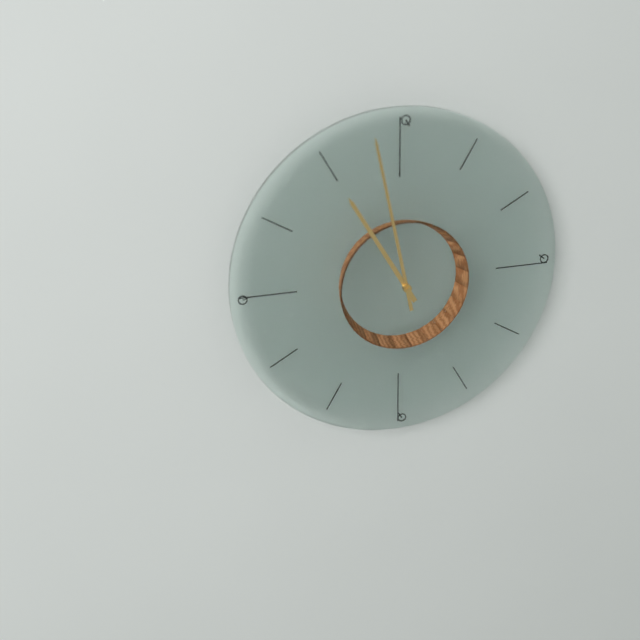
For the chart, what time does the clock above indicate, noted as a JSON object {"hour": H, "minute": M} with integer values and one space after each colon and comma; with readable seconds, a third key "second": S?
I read {"hour": 10, "minute": 58}
